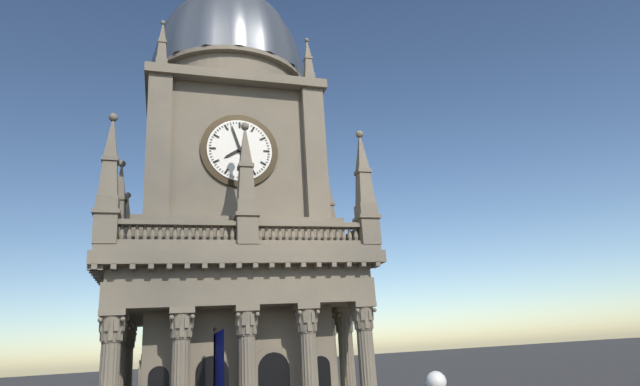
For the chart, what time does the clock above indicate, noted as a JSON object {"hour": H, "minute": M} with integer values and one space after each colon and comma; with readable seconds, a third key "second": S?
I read {"hour": 7, "minute": 57}
